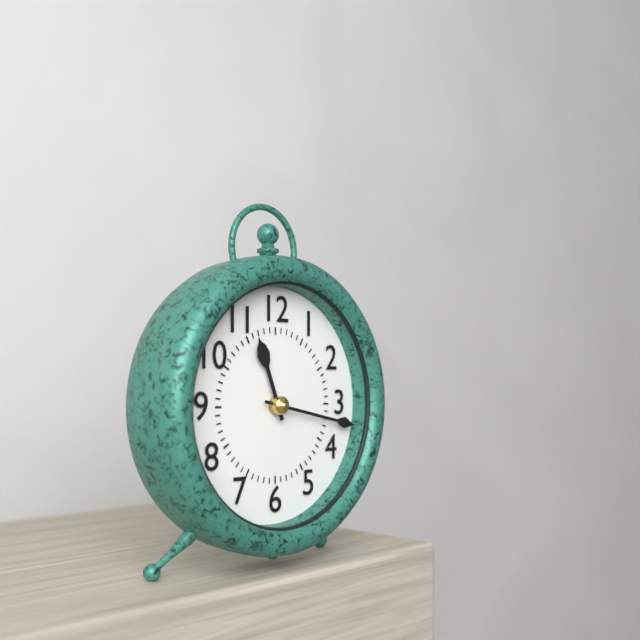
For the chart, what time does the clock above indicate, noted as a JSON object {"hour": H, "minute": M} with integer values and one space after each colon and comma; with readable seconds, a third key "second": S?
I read {"hour": 11, "minute": 17}
